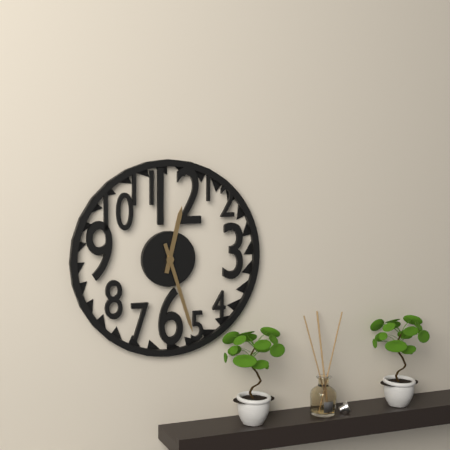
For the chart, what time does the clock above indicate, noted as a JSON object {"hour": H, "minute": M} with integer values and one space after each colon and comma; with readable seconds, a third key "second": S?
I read {"hour": 12, "minute": 27}
